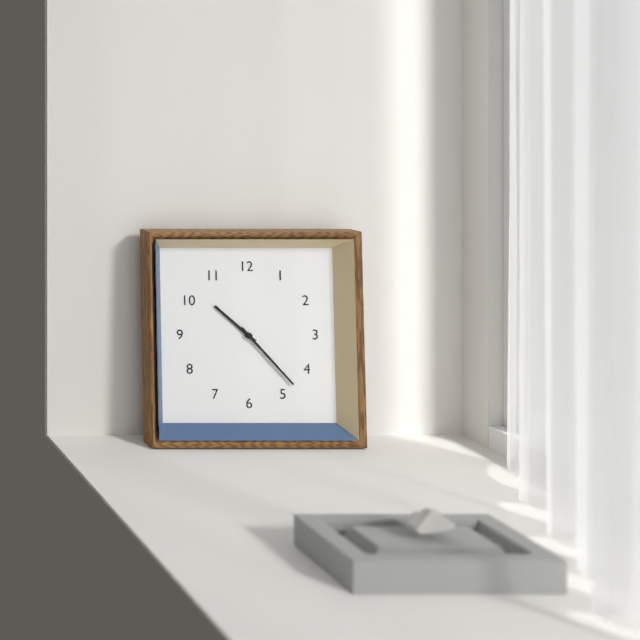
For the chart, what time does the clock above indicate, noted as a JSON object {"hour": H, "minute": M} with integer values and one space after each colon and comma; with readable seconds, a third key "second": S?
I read {"hour": 10, "minute": 23}
